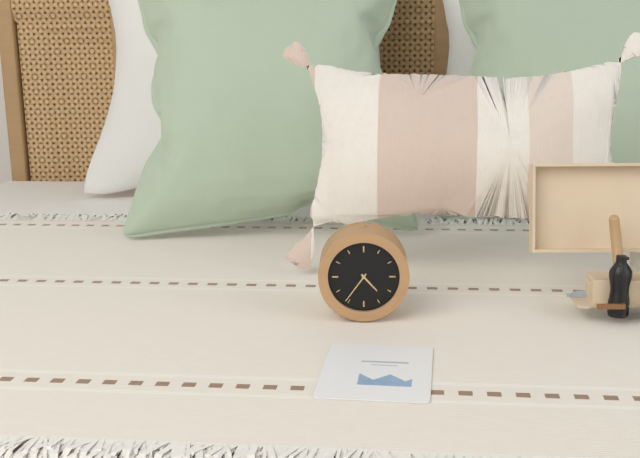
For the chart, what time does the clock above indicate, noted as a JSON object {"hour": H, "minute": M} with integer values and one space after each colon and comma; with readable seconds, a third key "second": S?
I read {"hour": 4, "minute": 36}
